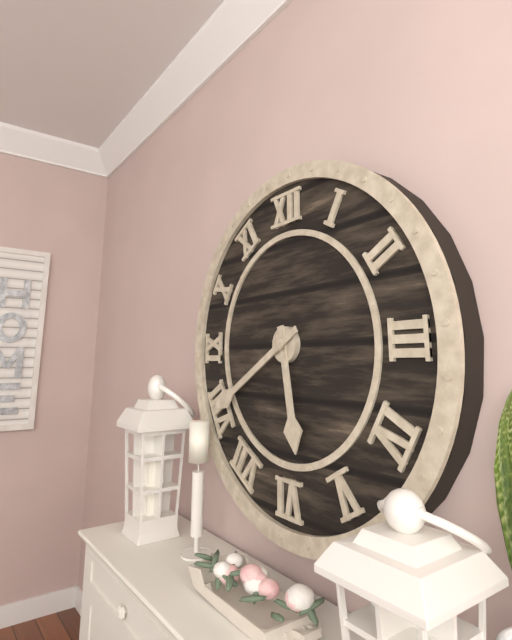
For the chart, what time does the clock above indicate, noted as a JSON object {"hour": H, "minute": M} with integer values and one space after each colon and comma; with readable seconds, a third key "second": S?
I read {"hour": 5, "minute": 40}
